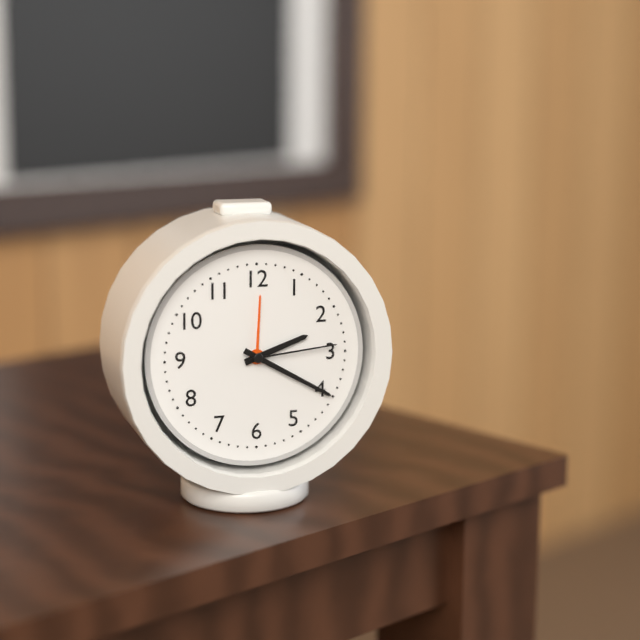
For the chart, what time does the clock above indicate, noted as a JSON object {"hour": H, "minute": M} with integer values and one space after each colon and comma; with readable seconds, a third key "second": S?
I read {"hour": 2, "minute": 20, "second": 14}
